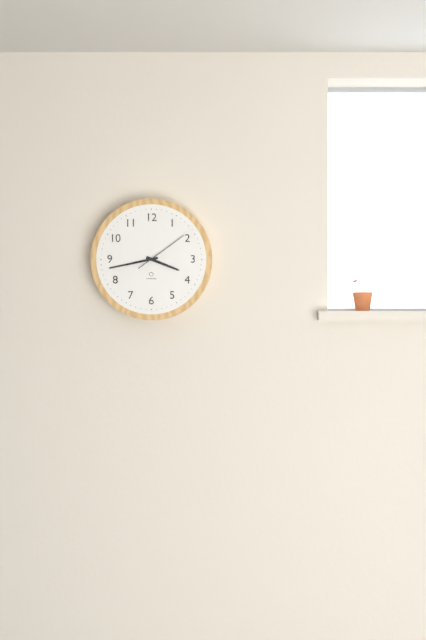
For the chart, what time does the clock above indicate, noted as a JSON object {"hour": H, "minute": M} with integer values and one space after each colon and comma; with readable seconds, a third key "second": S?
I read {"hour": 3, "minute": 43, "second": 9}
